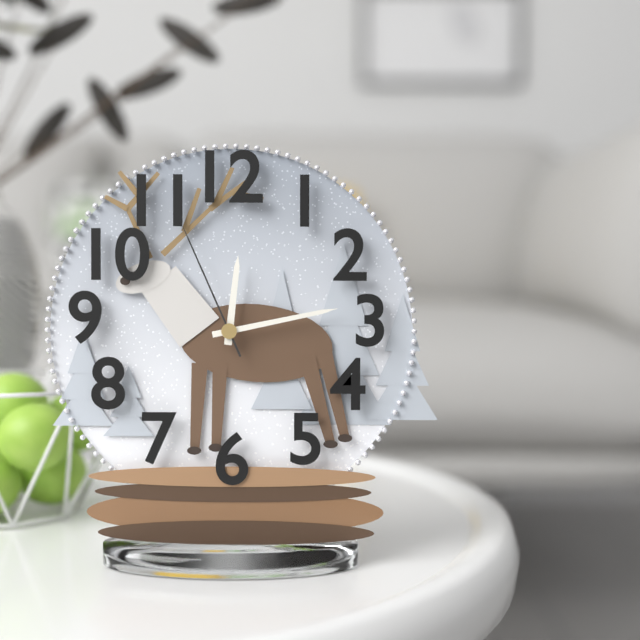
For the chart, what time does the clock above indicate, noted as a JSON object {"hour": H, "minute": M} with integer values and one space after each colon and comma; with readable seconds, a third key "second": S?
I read {"hour": 12, "minute": 13, "second": 56}
